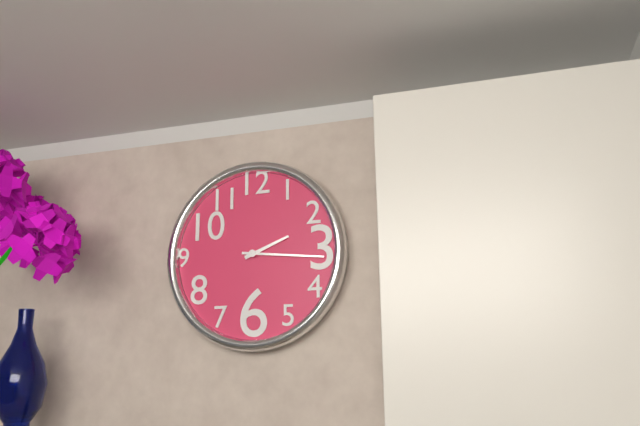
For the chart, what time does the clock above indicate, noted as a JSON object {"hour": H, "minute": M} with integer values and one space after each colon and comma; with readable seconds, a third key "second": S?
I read {"hour": 2, "minute": 16}
